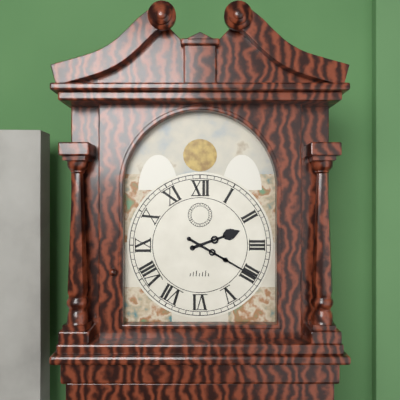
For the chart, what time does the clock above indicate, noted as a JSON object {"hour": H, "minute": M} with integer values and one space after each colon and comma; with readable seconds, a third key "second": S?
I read {"hour": 2, "minute": 20}
